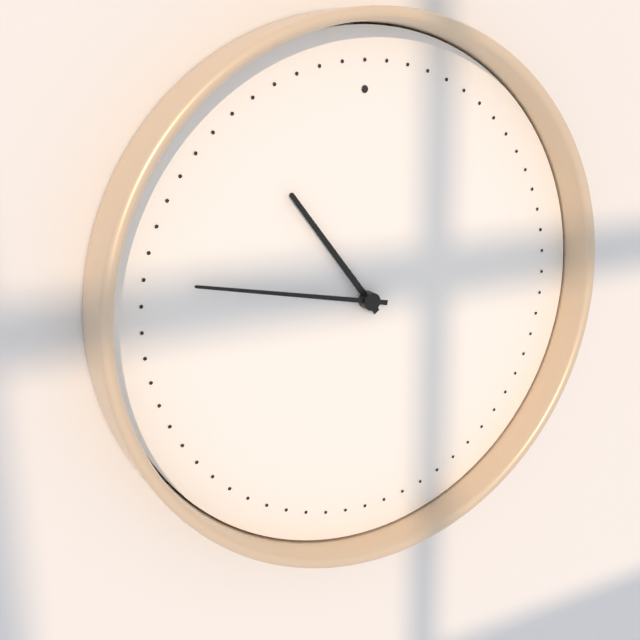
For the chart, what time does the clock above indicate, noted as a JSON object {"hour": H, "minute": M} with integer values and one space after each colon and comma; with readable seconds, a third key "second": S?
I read {"hour": 10, "minute": 47}
